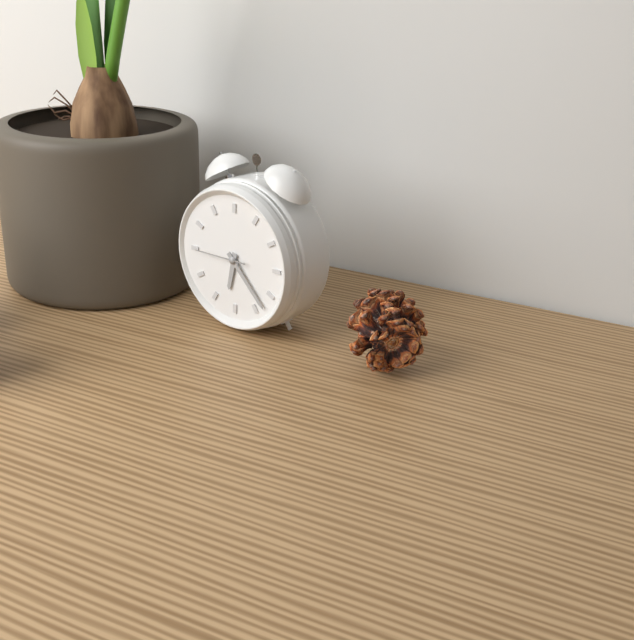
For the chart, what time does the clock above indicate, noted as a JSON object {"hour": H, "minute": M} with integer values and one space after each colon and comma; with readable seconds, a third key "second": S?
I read {"hour": 6, "minute": 23, "second": 45}
